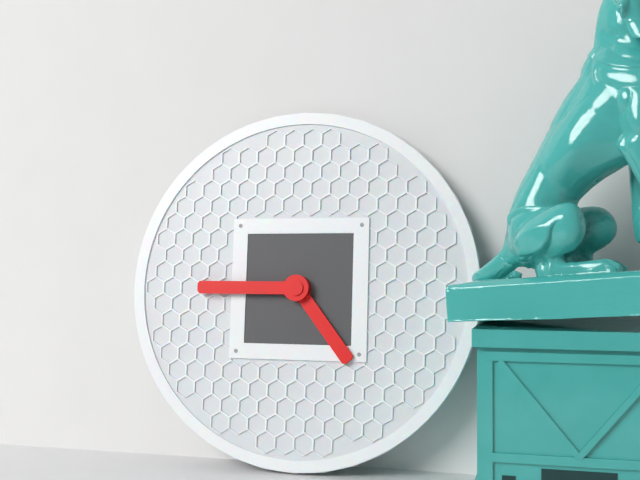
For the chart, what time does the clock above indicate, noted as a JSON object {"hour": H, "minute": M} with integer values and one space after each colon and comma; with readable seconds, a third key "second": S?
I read {"hour": 4, "minute": 45}
